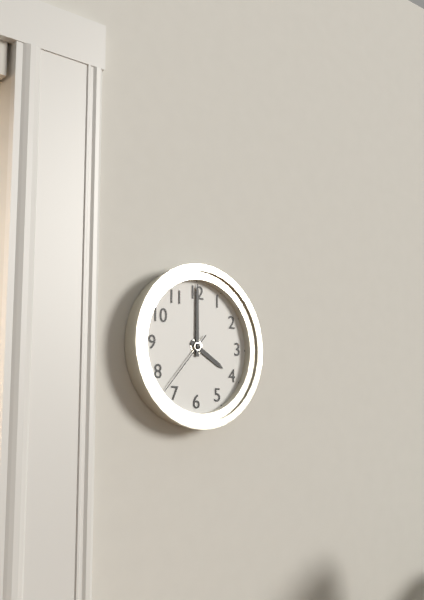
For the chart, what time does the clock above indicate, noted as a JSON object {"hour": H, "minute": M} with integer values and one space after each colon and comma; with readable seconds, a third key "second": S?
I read {"hour": 4, "minute": 0, "second": 37}
